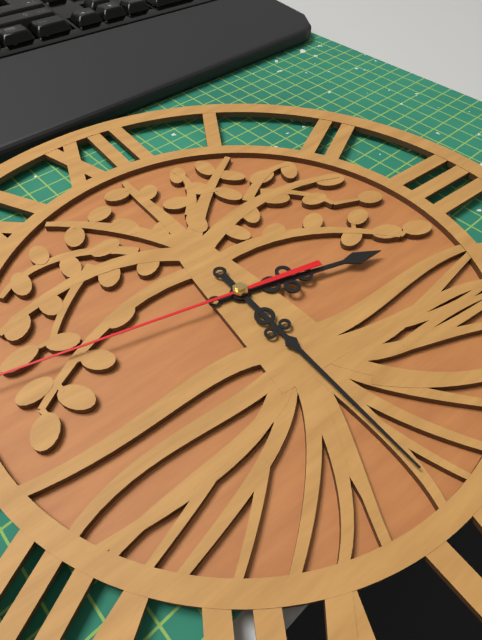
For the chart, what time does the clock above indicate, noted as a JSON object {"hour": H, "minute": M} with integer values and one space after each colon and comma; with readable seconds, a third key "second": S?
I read {"hour": 3, "minute": 30}
